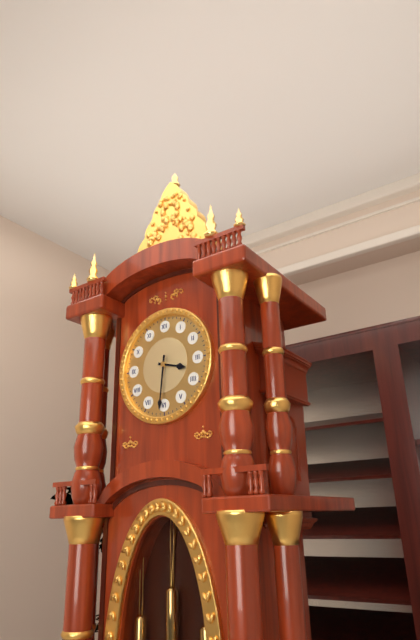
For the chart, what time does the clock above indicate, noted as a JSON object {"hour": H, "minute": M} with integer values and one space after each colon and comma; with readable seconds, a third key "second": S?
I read {"hour": 3, "minute": 31}
